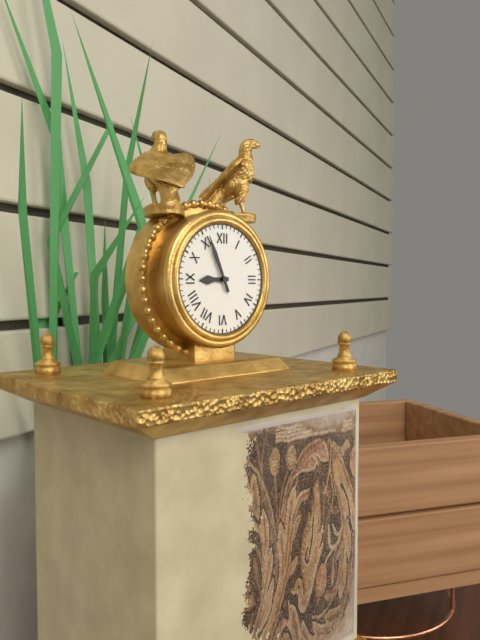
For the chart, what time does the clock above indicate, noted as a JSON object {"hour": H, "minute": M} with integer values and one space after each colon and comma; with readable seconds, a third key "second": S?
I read {"hour": 8, "minute": 56}
